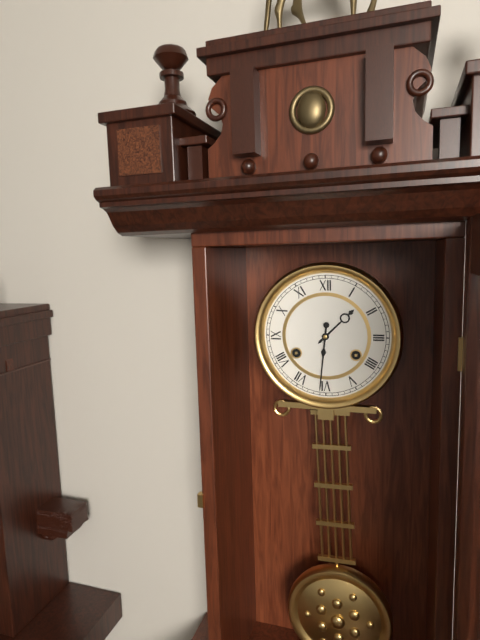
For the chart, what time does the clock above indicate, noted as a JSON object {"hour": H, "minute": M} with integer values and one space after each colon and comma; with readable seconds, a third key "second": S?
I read {"hour": 1, "minute": 31}
